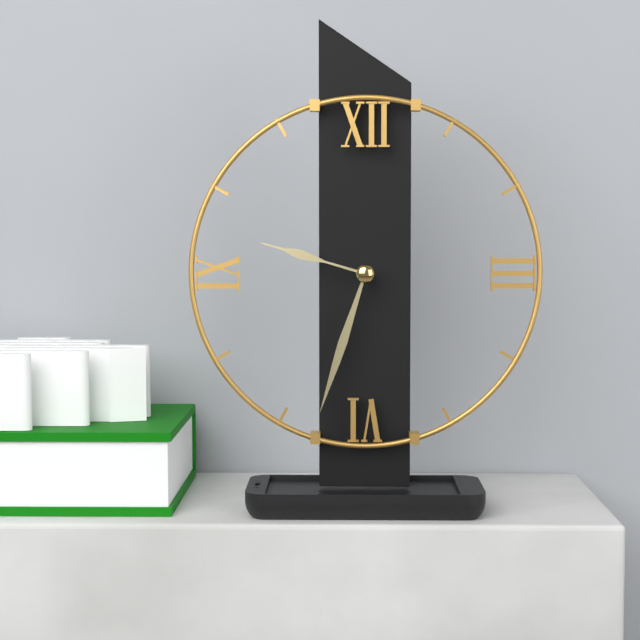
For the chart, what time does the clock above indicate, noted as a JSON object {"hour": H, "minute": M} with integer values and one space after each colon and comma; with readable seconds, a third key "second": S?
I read {"hour": 9, "minute": 33}
